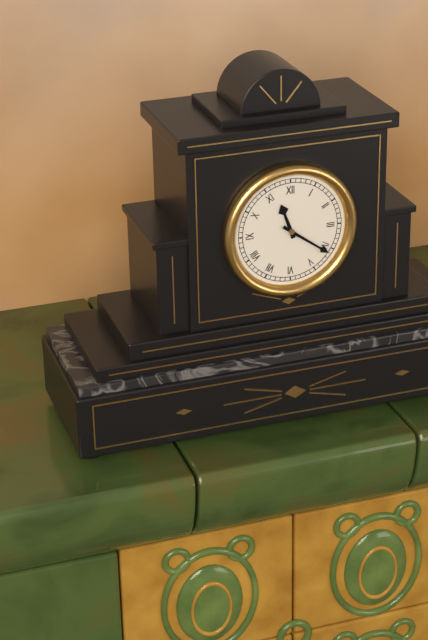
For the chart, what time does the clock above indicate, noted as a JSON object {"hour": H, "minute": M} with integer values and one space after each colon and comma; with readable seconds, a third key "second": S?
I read {"hour": 11, "minute": 21}
